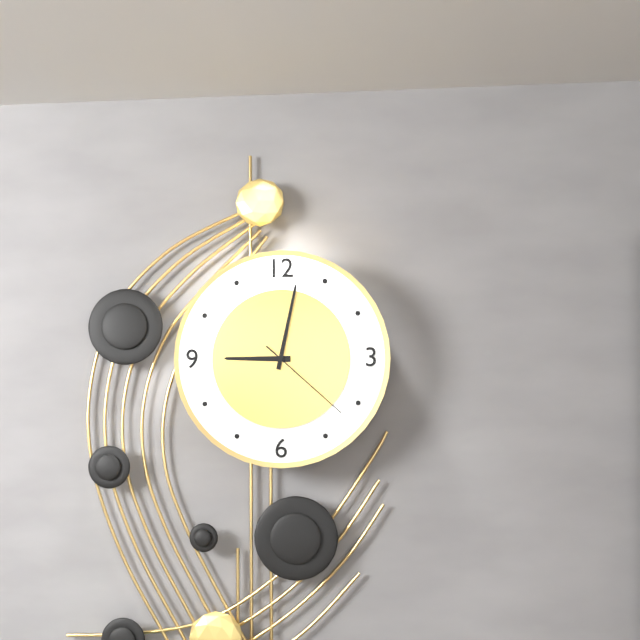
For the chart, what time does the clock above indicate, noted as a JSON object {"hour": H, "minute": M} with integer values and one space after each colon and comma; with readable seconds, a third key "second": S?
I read {"hour": 9, "minute": 2, "second": 22}
